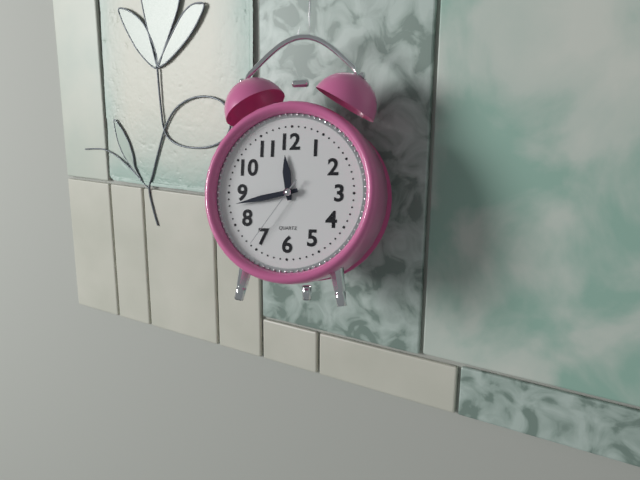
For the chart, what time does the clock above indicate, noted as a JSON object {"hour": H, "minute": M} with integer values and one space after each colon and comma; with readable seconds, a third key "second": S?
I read {"hour": 11, "minute": 43, "second": 36}
